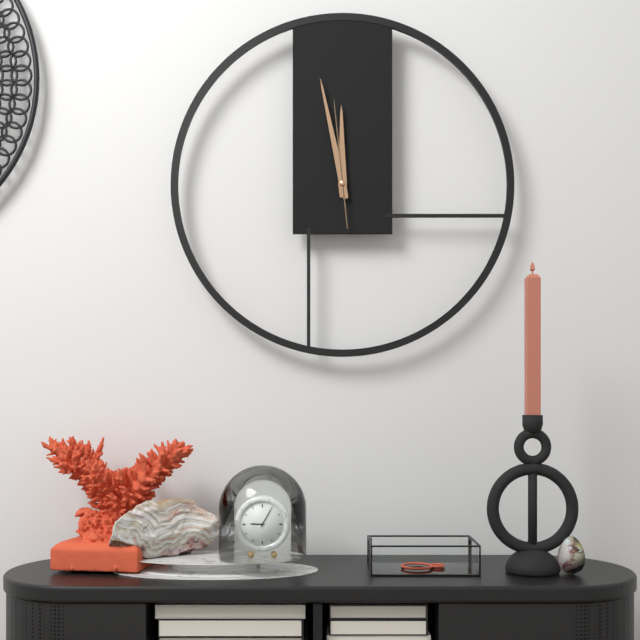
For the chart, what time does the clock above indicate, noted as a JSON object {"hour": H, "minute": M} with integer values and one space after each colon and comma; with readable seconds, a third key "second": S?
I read {"hour": 11, "minute": 58, "second": 59}
